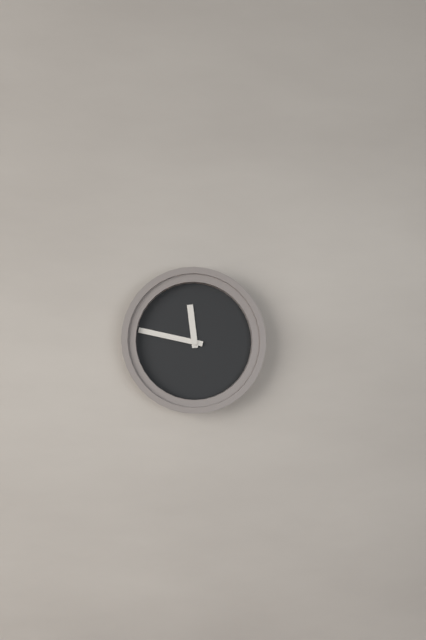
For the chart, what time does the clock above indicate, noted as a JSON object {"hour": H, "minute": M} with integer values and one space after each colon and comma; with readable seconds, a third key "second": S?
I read {"hour": 11, "minute": 47}
